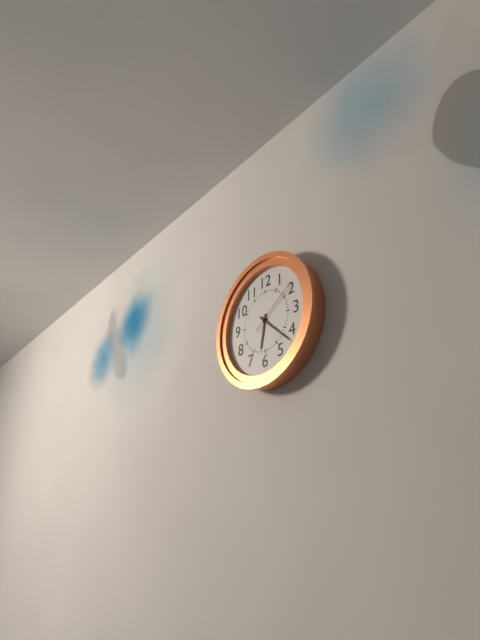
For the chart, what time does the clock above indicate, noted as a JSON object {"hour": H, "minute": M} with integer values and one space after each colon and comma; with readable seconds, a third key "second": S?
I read {"hour": 6, "minute": 22, "second": 9}
